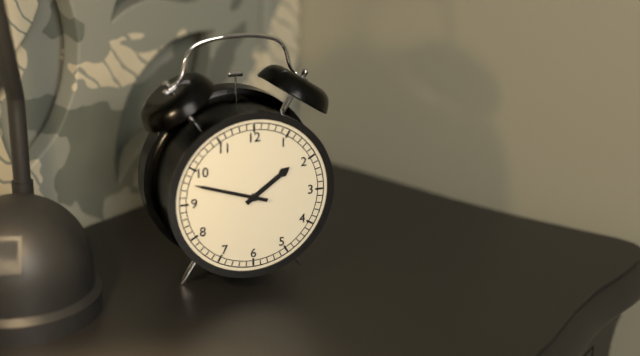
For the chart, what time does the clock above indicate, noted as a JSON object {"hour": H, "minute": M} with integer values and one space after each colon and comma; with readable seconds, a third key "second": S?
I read {"hour": 1, "minute": 48}
